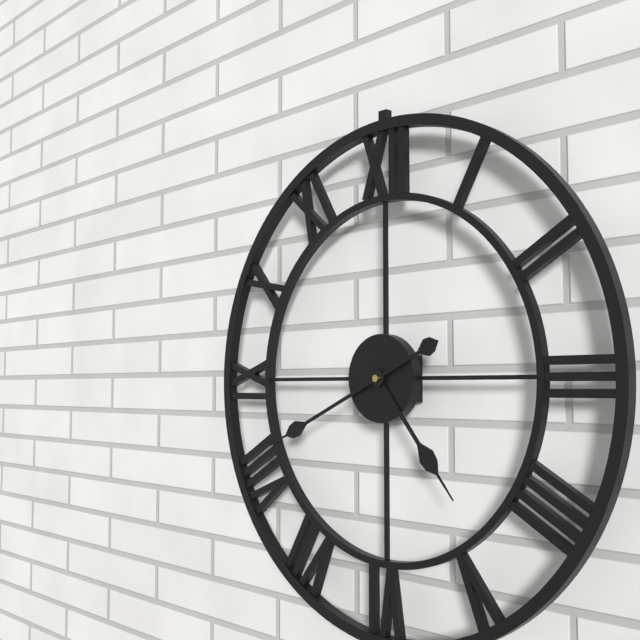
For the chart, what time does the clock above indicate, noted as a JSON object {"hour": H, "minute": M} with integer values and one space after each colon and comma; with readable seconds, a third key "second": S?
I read {"hour": 4, "minute": 41}
